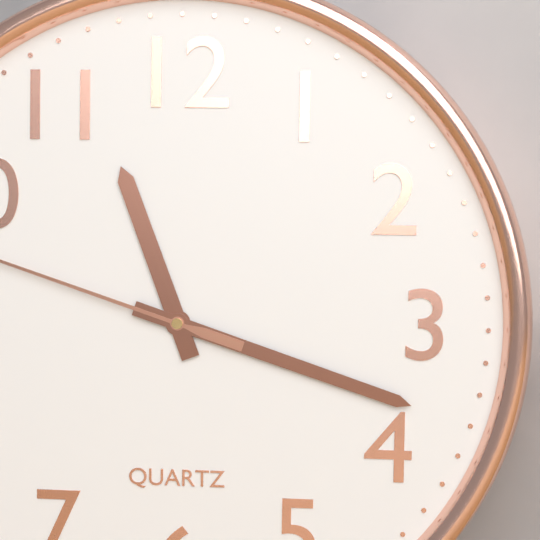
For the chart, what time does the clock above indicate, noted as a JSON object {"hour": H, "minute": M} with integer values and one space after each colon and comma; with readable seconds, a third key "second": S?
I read {"hour": 11, "minute": 18}
